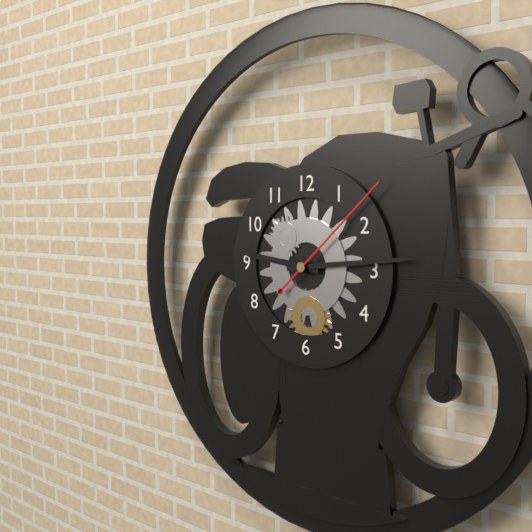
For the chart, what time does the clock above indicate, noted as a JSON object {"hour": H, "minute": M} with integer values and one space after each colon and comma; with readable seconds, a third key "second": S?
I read {"hour": 9, "minute": 14, "second": 8}
